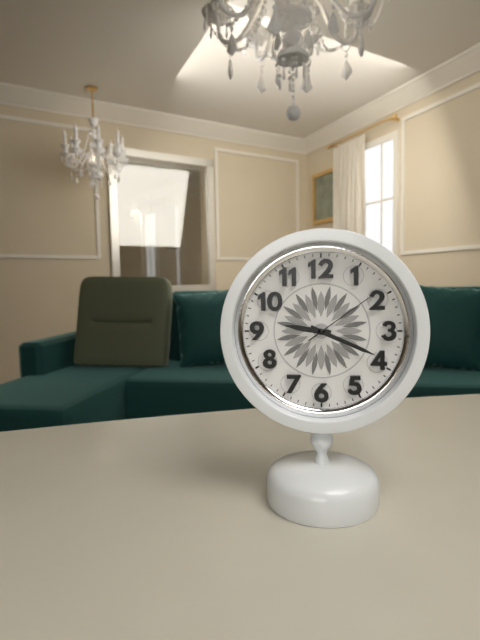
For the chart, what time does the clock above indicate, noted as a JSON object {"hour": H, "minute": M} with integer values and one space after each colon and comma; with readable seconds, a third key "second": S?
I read {"hour": 9, "minute": 19, "second": 9}
